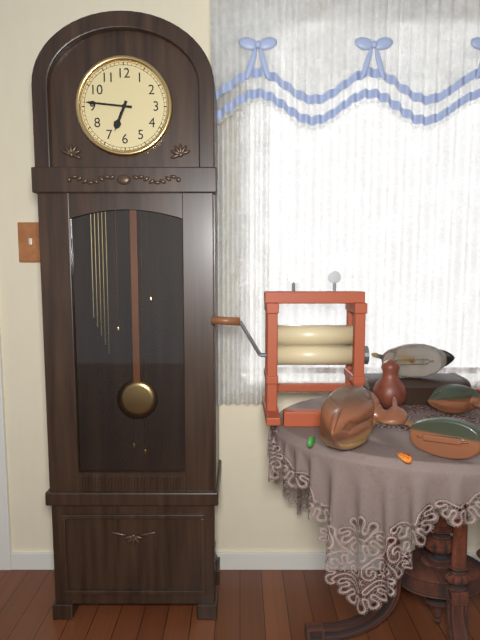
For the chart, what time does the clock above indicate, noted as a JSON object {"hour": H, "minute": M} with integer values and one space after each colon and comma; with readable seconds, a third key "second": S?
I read {"hour": 6, "minute": 46}
